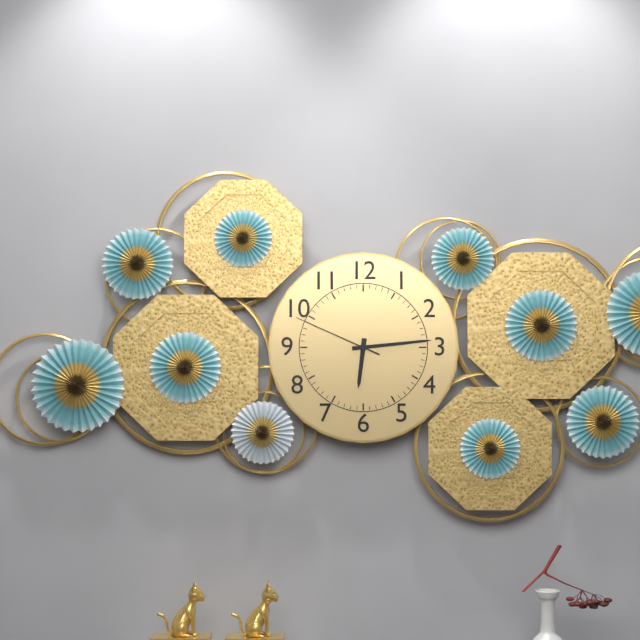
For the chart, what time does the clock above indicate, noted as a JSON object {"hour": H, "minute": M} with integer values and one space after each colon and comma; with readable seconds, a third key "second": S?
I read {"hour": 6, "minute": 14, "second": 49}
